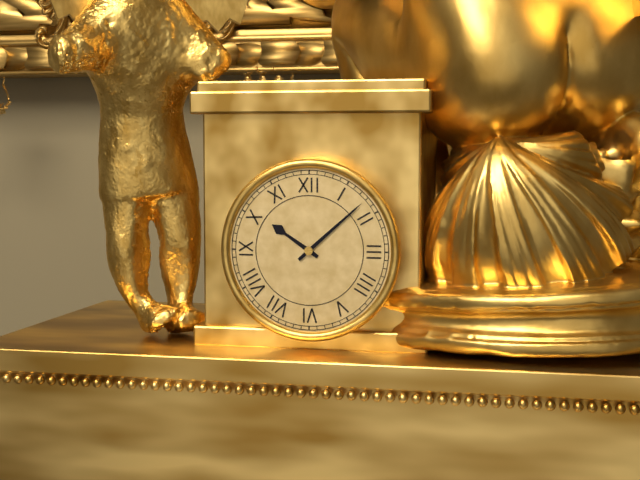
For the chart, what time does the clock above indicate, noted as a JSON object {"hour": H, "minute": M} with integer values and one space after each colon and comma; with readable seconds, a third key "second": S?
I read {"hour": 10, "minute": 8}
